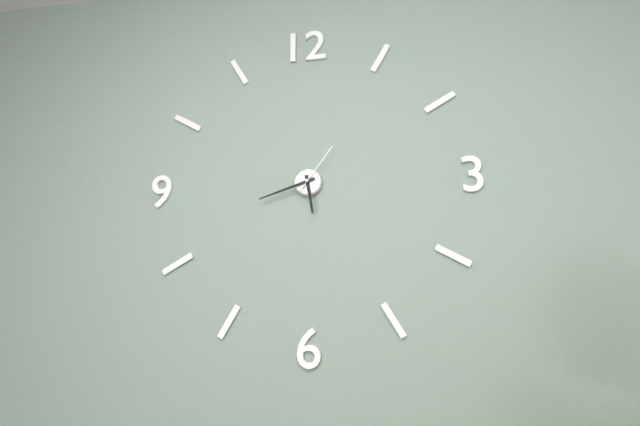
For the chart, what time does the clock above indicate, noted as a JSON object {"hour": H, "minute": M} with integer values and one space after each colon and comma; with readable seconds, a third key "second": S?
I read {"hour": 5, "minute": 42, "second": 6}
